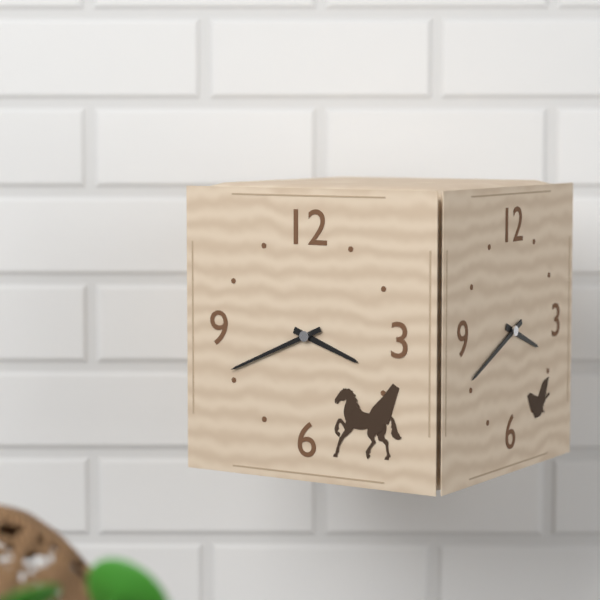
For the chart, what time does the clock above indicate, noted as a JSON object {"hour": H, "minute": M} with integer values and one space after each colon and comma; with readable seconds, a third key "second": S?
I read {"hour": 3, "minute": 41}
